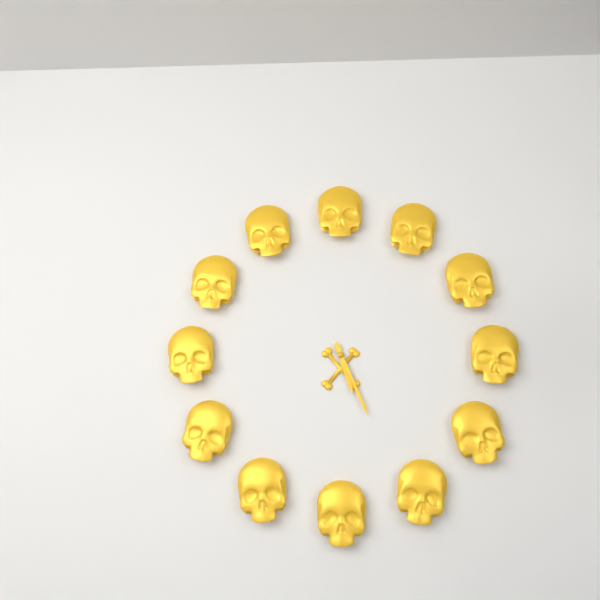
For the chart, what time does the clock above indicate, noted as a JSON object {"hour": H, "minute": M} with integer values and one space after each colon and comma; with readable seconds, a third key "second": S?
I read {"hour": 5, "minute": 26}
